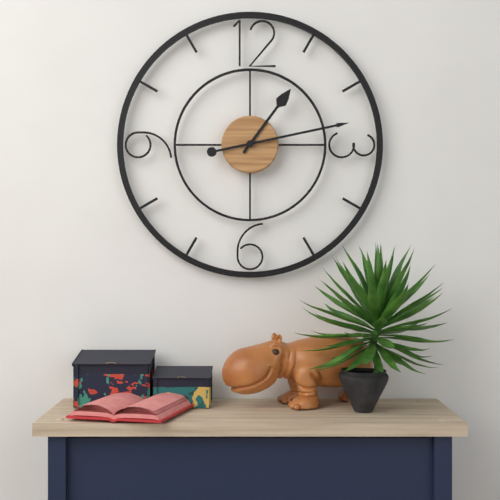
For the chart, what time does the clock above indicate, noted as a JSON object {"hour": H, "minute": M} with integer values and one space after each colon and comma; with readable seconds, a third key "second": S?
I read {"hour": 1, "minute": 13}
